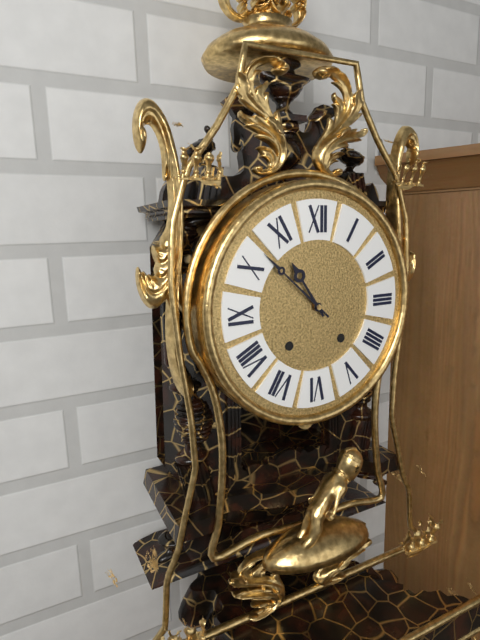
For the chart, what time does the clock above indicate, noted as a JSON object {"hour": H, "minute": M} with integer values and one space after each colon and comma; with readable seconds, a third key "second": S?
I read {"hour": 10, "minute": 52}
